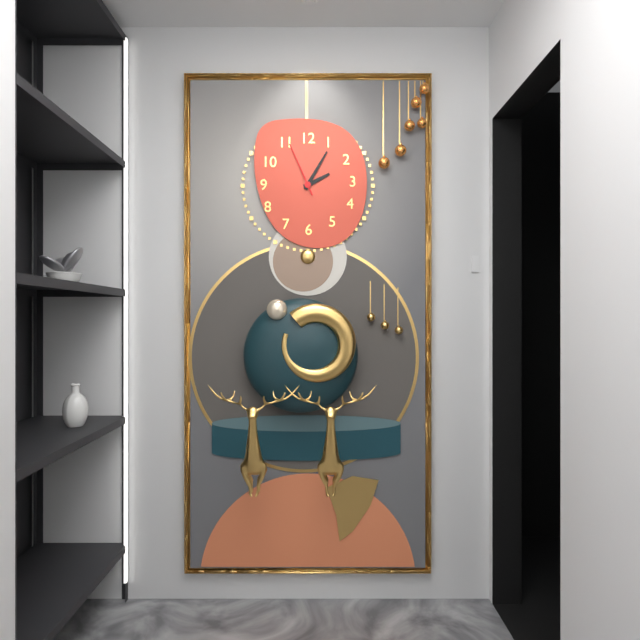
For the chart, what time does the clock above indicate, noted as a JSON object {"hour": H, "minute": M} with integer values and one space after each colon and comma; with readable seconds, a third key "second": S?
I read {"hour": 2, "minute": 5, "second": 56}
